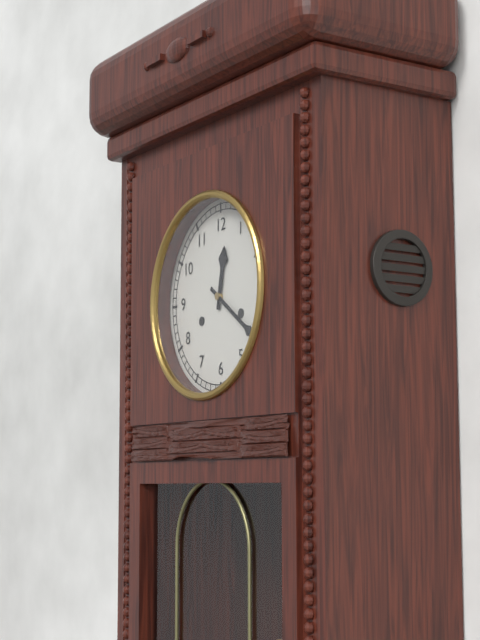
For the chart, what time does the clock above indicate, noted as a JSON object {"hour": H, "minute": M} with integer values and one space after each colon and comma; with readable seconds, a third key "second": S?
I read {"hour": 12, "minute": 21}
